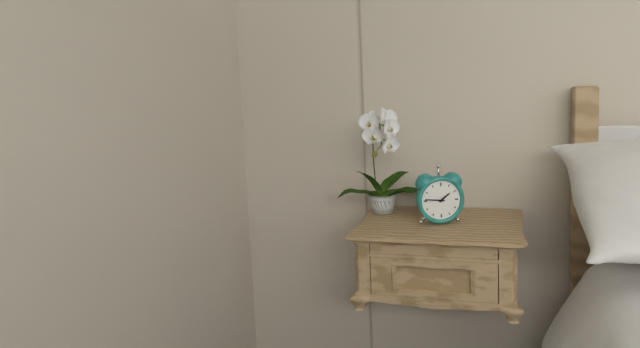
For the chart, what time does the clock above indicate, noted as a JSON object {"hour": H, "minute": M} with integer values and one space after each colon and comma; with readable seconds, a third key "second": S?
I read {"hour": 1, "minute": 46}
